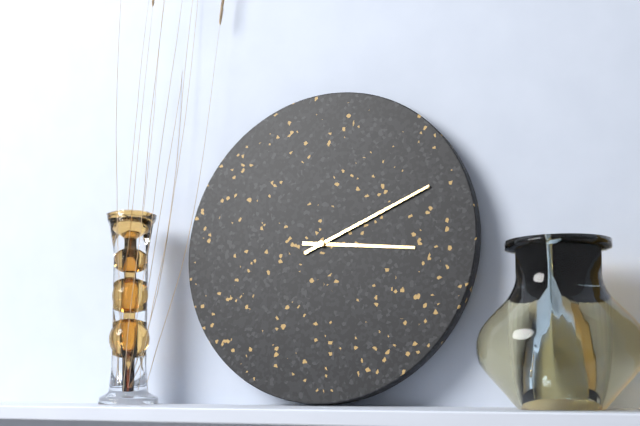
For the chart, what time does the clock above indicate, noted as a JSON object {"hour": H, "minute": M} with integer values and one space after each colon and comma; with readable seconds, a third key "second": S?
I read {"hour": 3, "minute": 11}
